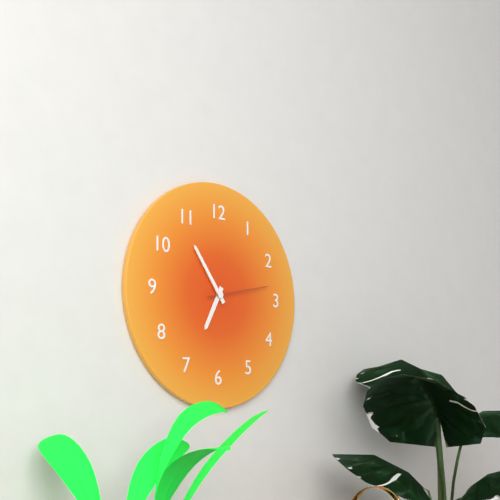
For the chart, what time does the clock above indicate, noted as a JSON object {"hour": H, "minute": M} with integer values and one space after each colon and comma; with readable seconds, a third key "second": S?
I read {"hour": 6, "minute": 54, "second": 13}
